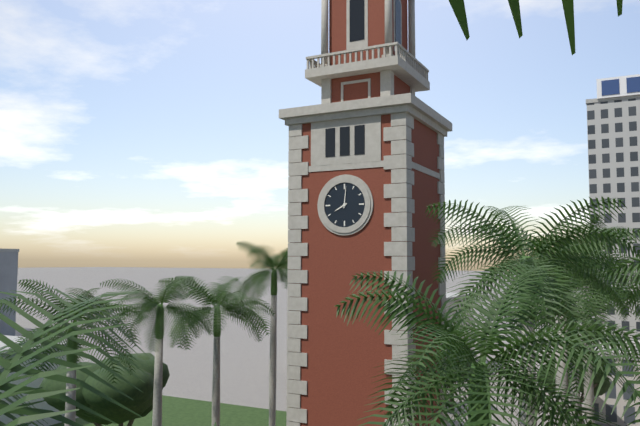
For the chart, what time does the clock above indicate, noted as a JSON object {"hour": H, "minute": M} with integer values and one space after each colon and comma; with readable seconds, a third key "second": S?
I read {"hour": 8, "minute": 1}
